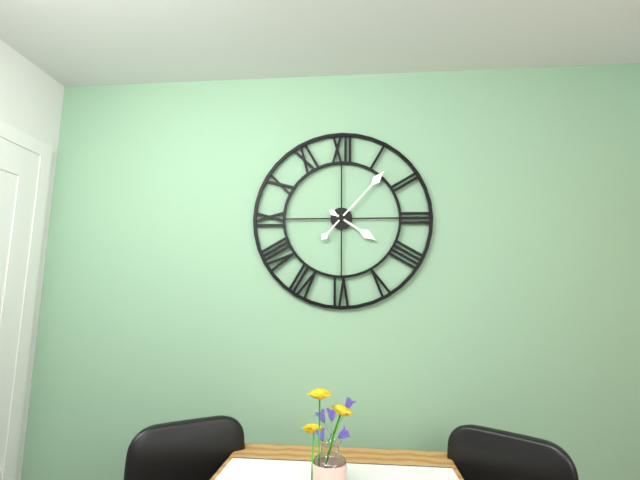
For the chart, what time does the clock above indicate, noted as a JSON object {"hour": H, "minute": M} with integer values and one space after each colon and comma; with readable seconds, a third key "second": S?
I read {"hour": 4, "minute": 7}
